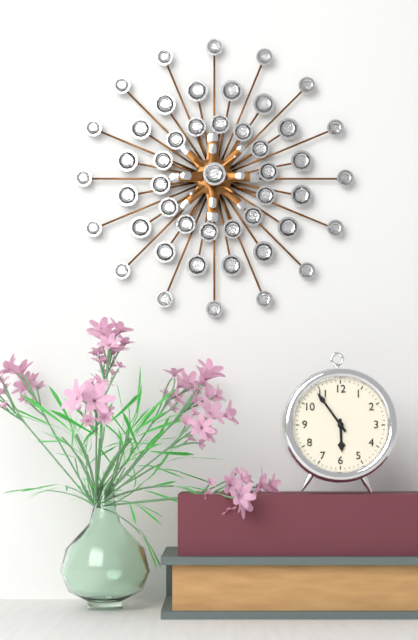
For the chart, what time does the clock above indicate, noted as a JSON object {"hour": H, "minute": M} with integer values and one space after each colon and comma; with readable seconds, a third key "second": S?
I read {"hour": 5, "minute": 54}
